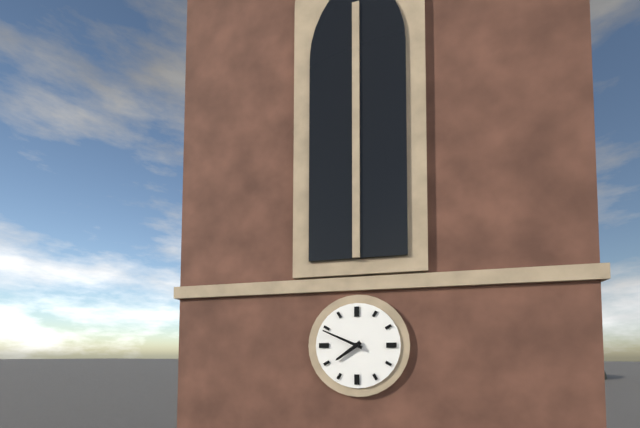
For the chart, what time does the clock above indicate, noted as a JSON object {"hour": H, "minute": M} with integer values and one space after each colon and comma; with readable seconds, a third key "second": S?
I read {"hour": 7, "minute": 49}
